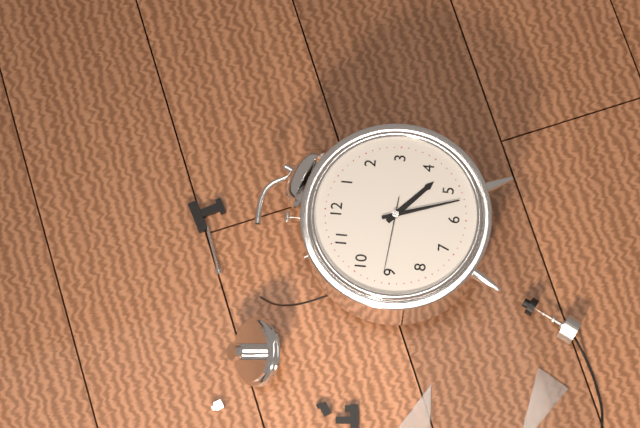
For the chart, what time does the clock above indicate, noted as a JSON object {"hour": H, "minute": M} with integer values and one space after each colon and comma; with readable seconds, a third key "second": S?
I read {"hour": 4, "minute": 27, "second": 46}
